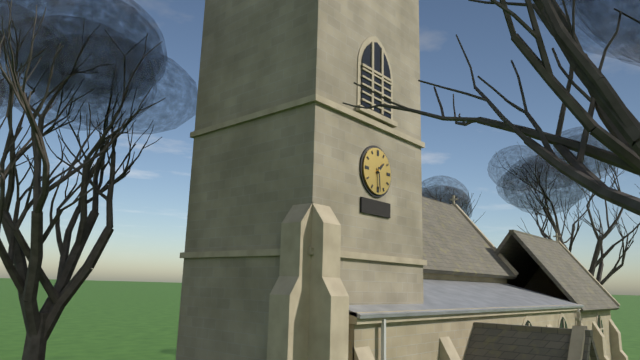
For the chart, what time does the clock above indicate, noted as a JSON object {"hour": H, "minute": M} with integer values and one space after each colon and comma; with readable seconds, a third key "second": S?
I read {"hour": 1, "minute": 29}
